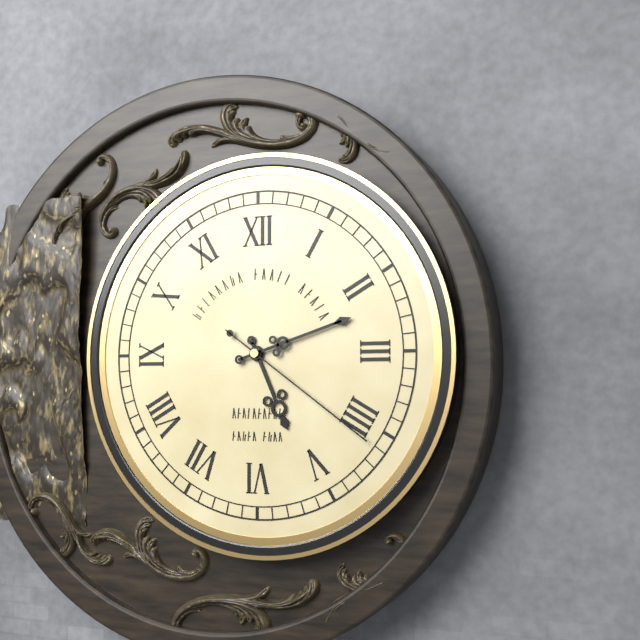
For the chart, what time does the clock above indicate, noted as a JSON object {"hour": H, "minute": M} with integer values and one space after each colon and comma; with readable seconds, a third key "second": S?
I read {"hour": 5, "minute": 12, "second": 21}
